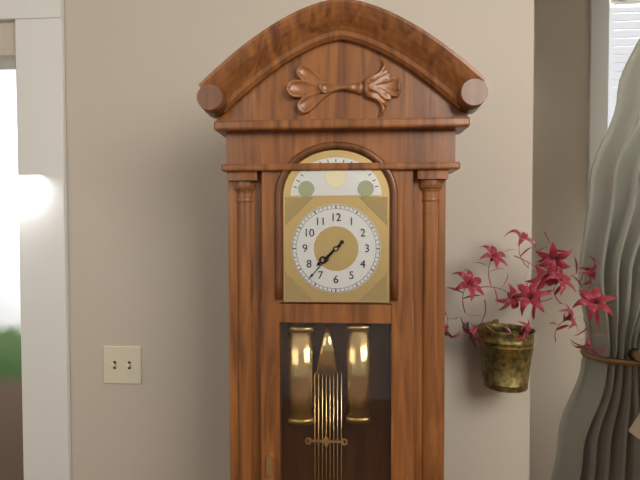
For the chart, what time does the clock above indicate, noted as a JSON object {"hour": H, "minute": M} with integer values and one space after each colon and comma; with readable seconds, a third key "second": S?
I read {"hour": 7, "minute": 37}
